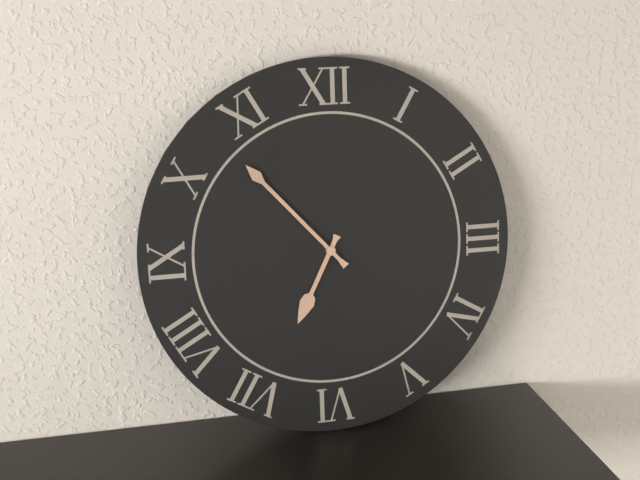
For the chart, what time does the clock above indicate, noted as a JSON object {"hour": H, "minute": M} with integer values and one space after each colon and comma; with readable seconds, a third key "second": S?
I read {"hour": 6, "minute": 53}
